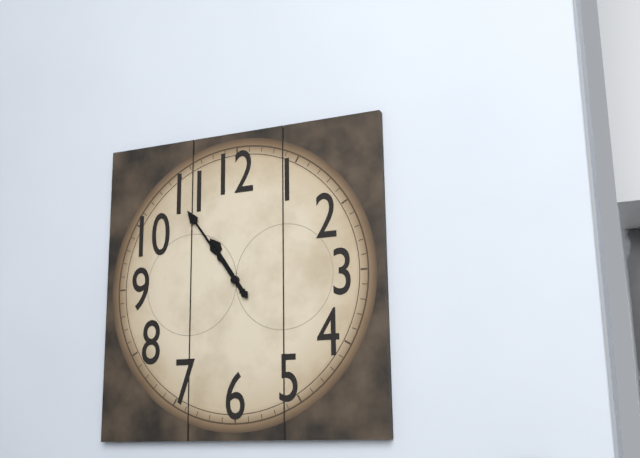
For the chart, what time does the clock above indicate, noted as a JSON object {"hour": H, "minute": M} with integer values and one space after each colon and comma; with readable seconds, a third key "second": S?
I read {"hour": 10, "minute": 54}
